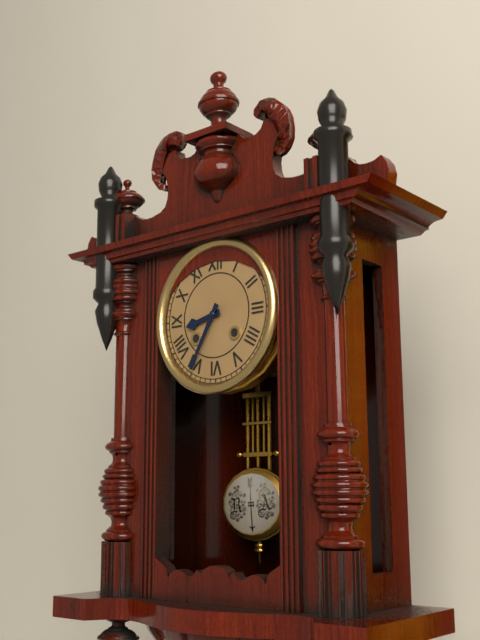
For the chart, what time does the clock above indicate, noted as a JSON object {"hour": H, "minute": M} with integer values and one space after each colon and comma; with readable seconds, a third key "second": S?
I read {"hour": 8, "minute": 35}
